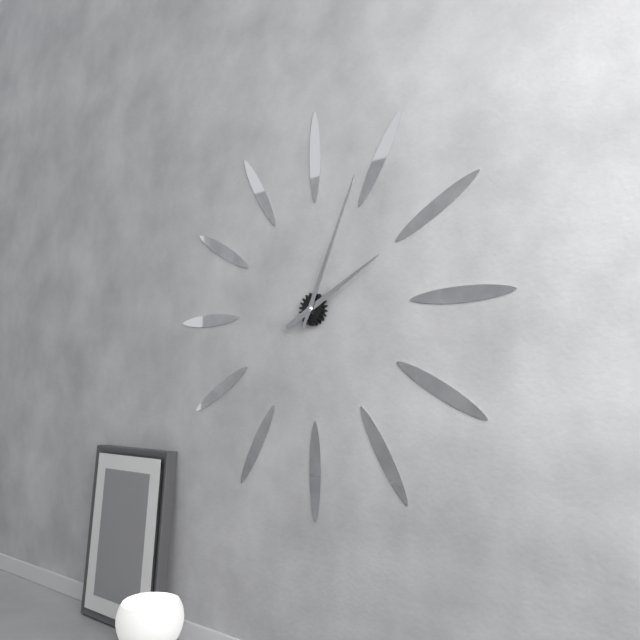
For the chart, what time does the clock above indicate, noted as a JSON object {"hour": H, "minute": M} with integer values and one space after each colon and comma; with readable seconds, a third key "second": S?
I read {"hour": 2, "minute": 4}
